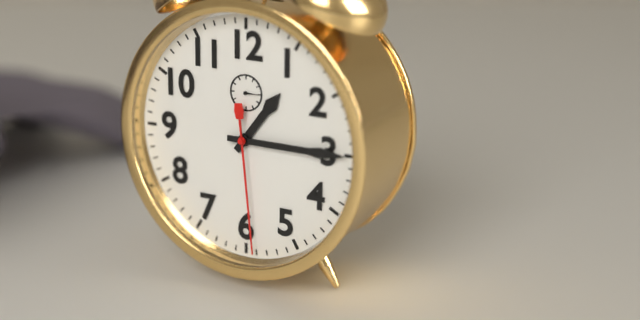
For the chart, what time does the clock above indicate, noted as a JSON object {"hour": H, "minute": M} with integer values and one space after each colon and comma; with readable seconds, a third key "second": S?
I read {"hour": 1, "minute": 15, "second": 29}
